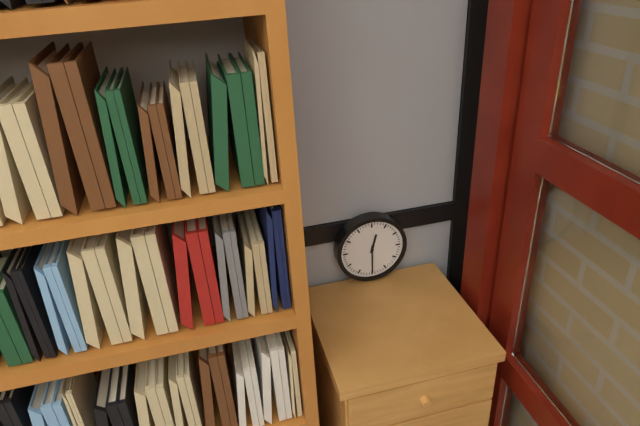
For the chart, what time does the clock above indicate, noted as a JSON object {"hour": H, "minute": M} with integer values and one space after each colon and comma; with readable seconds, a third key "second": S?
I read {"hour": 12, "minute": 30}
